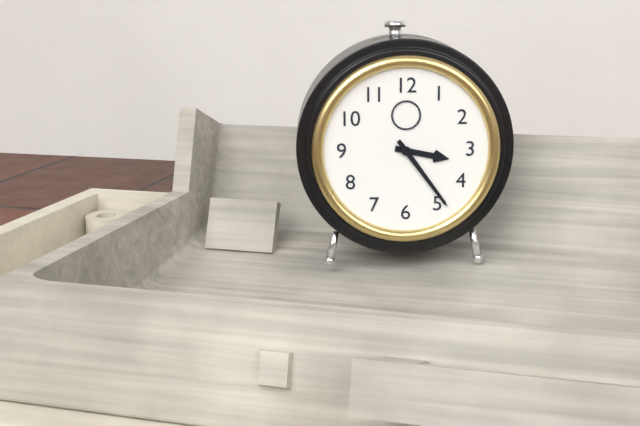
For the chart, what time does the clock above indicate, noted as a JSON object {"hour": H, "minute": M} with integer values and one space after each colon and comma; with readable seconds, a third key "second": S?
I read {"hour": 3, "minute": 24}
